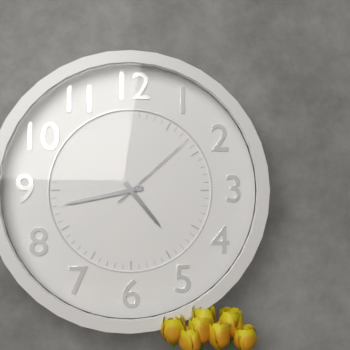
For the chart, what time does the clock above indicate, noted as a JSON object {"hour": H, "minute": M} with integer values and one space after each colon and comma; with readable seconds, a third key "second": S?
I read {"hour": 4, "minute": 43, "second": 8}
